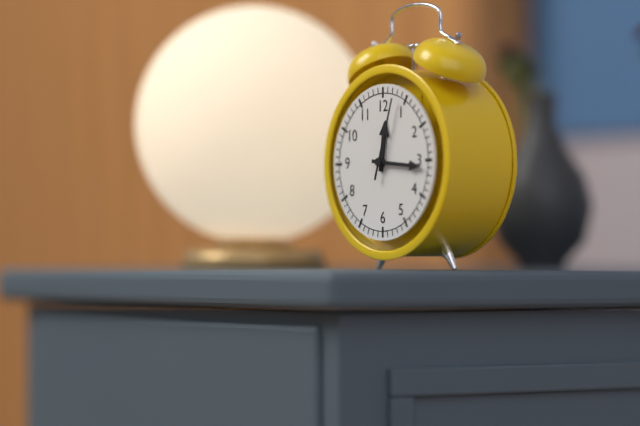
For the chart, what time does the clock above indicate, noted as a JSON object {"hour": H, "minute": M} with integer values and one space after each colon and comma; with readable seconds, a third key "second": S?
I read {"hour": 12, "minute": 16, "second": 3}
